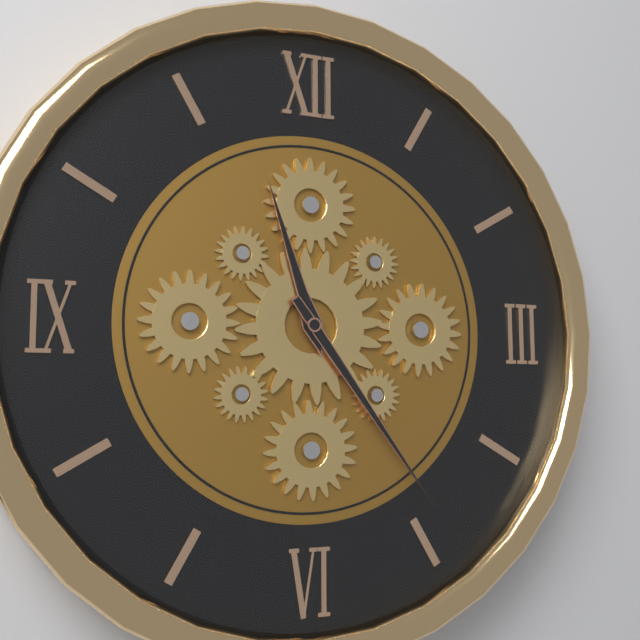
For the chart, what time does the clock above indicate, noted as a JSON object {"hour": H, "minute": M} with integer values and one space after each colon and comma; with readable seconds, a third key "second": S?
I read {"hour": 11, "minute": 24}
